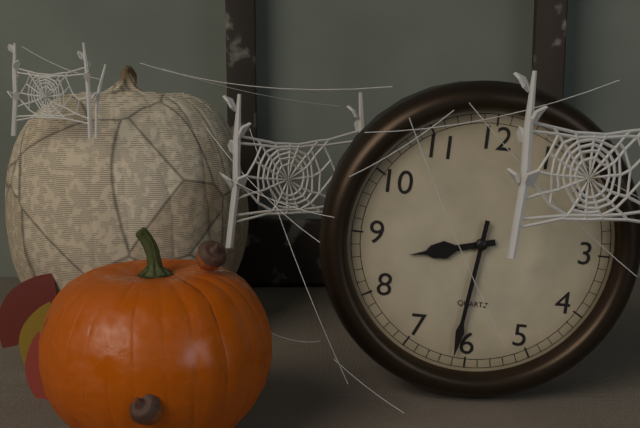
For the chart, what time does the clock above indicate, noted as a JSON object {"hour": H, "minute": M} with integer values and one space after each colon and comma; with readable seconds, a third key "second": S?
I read {"hour": 8, "minute": 31}
